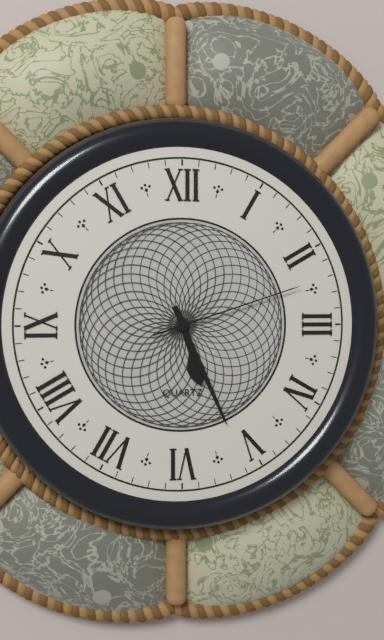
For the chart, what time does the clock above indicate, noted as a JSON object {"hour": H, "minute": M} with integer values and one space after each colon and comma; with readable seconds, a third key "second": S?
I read {"hour": 5, "minute": 26, "second": 12}
